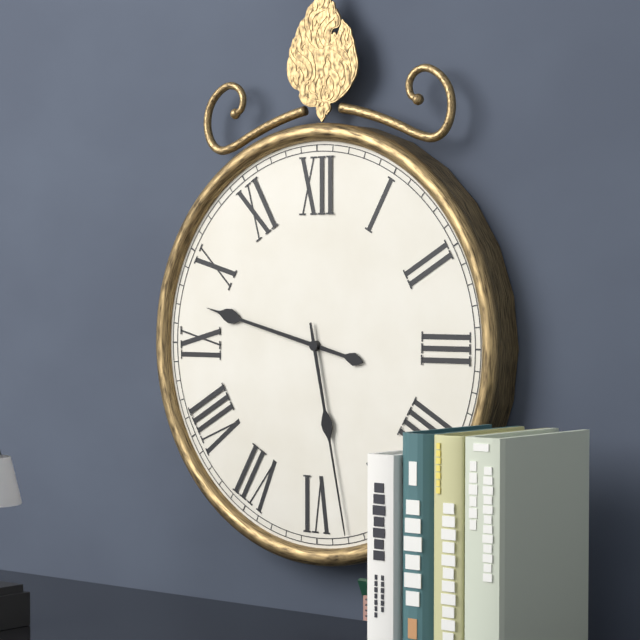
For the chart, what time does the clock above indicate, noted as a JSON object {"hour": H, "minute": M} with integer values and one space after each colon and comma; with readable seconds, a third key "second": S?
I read {"hour": 9, "minute": 28}
